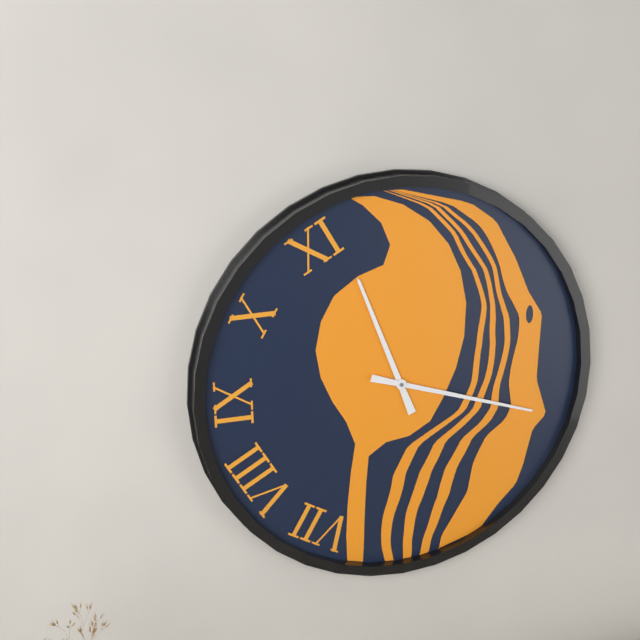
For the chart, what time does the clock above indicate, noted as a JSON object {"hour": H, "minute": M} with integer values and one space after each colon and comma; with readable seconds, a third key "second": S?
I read {"hour": 11, "minute": 18}
